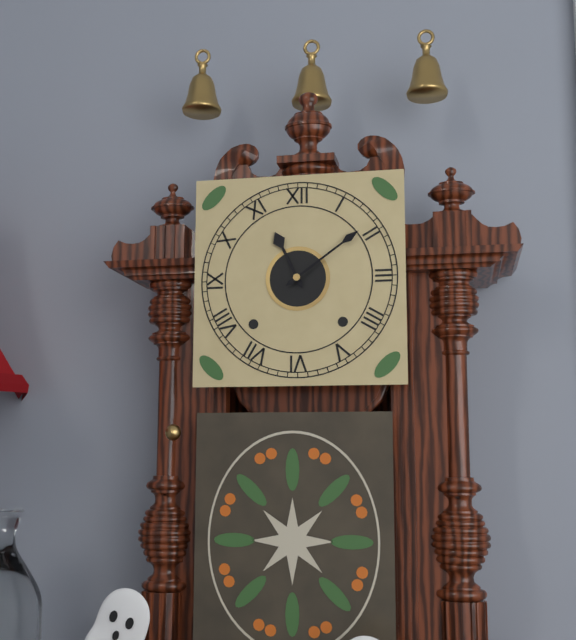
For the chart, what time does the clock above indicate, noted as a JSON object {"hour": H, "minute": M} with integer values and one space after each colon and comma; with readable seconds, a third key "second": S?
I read {"hour": 11, "minute": 9}
